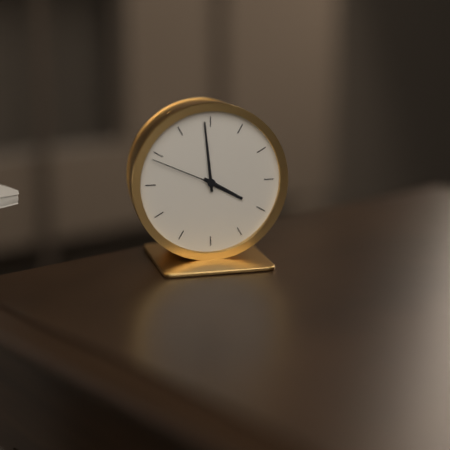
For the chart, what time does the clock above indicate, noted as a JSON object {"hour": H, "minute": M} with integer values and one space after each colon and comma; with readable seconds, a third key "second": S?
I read {"hour": 3, "minute": 59, "second": 49}
